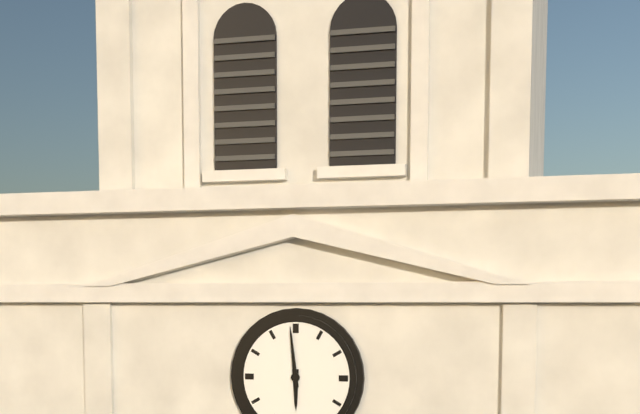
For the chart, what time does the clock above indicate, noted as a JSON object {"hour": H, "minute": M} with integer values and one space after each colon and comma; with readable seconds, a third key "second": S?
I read {"hour": 5, "minute": 59}
